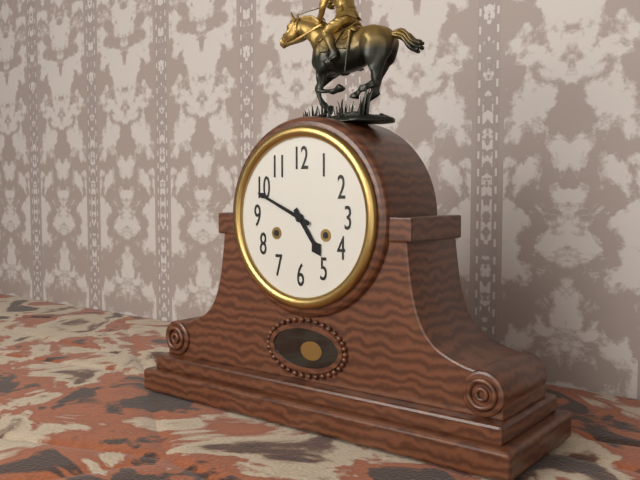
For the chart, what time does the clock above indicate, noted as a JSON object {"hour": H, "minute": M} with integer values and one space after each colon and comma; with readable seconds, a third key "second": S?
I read {"hour": 4, "minute": 49}
